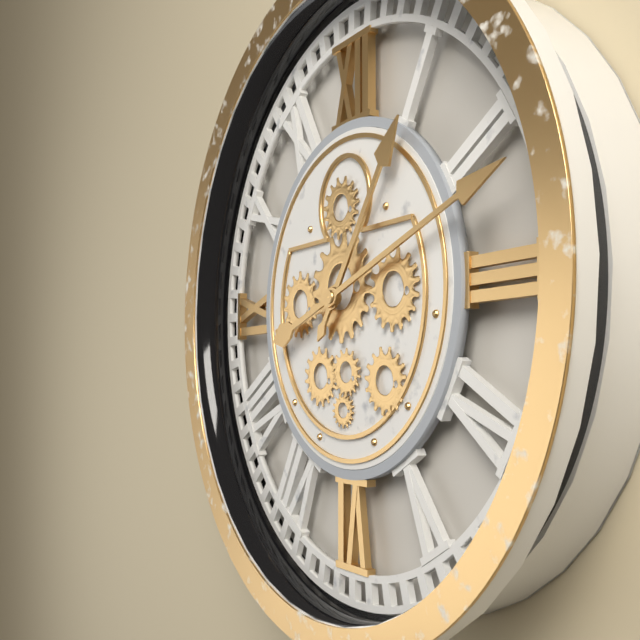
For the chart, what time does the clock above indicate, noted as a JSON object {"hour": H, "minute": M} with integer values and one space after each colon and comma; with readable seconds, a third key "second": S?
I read {"hour": 1, "minute": 12}
